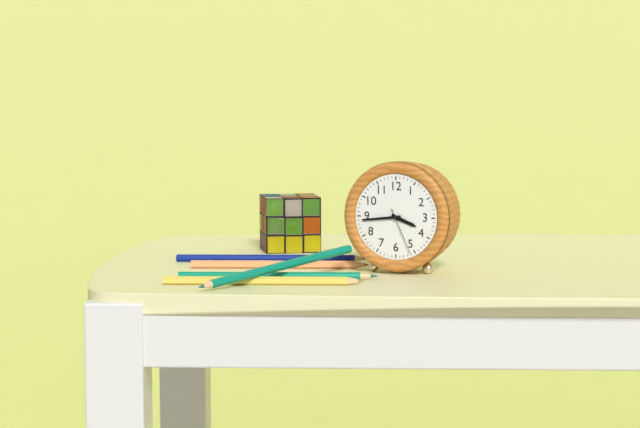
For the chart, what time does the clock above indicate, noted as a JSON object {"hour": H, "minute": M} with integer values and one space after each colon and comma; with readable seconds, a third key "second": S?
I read {"hour": 3, "minute": 44}
